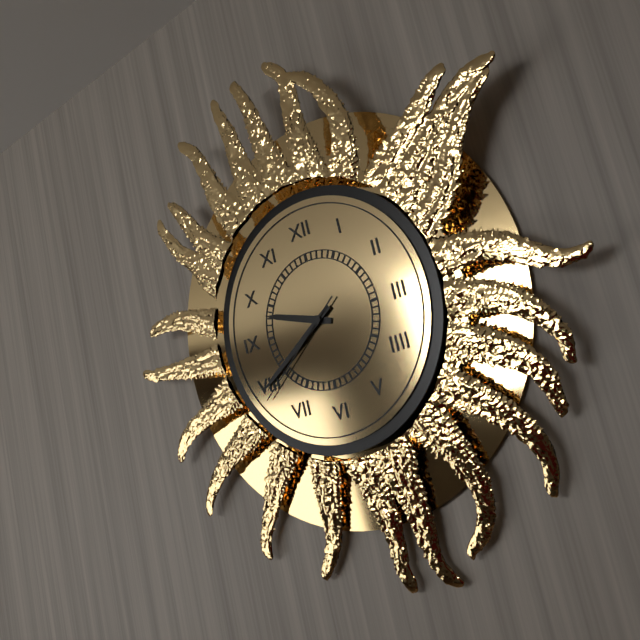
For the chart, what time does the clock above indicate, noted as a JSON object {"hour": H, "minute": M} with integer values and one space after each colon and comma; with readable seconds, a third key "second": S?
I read {"hour": 9, "minute": 40, "second": 39}
